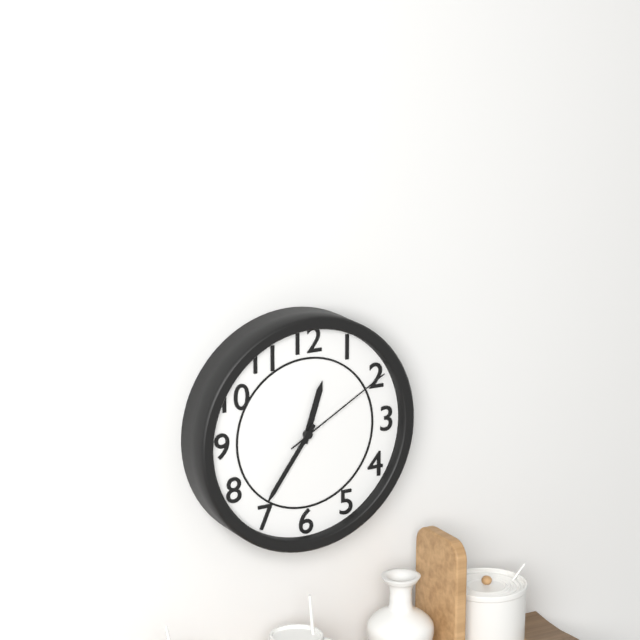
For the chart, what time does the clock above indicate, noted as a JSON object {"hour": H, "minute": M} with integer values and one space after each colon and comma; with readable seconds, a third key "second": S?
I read {"hour": 12, "minute": 36, "second": 10}
